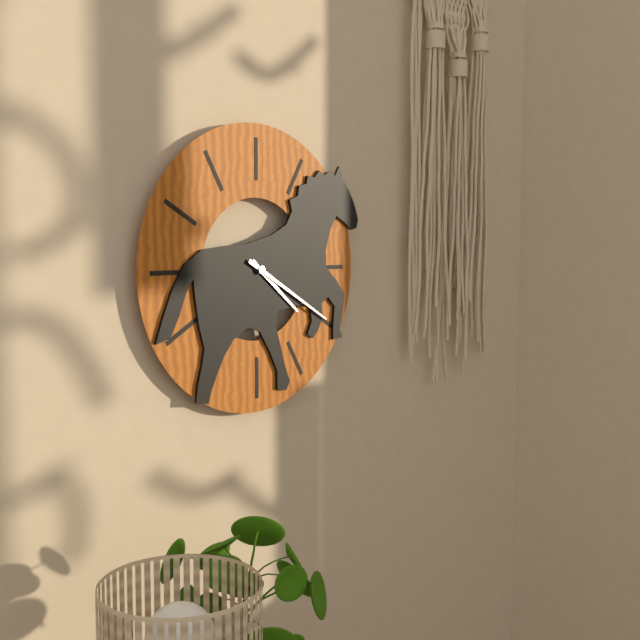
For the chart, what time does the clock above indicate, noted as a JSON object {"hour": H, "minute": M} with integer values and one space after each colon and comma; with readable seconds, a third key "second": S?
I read {"hour": 4, "minute": 20}
